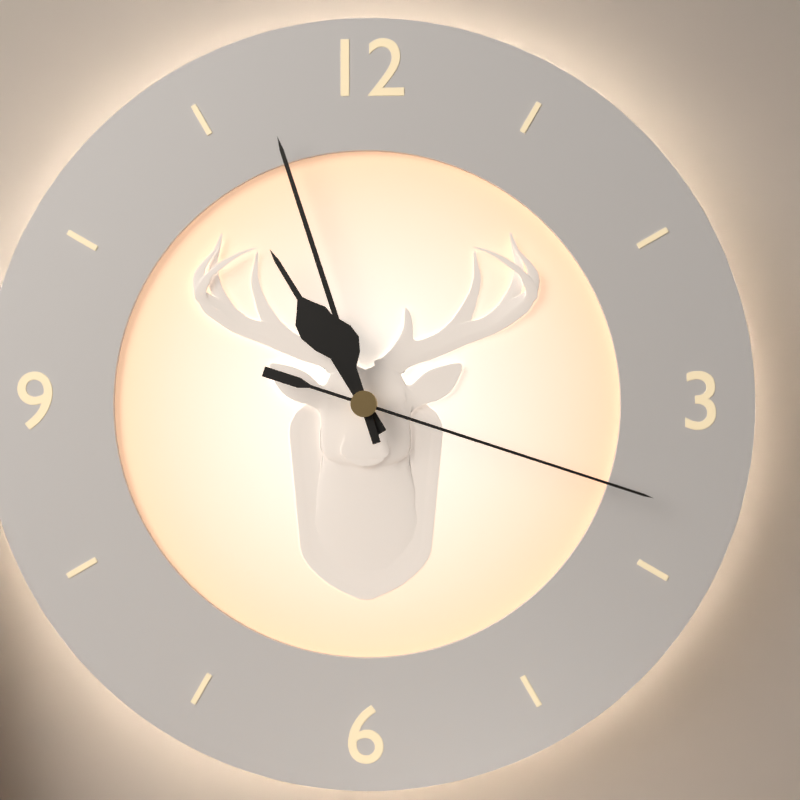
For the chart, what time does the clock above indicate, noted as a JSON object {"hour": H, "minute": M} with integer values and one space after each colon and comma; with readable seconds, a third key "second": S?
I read {"hour": 10, "minute": 57, "second": 18}
